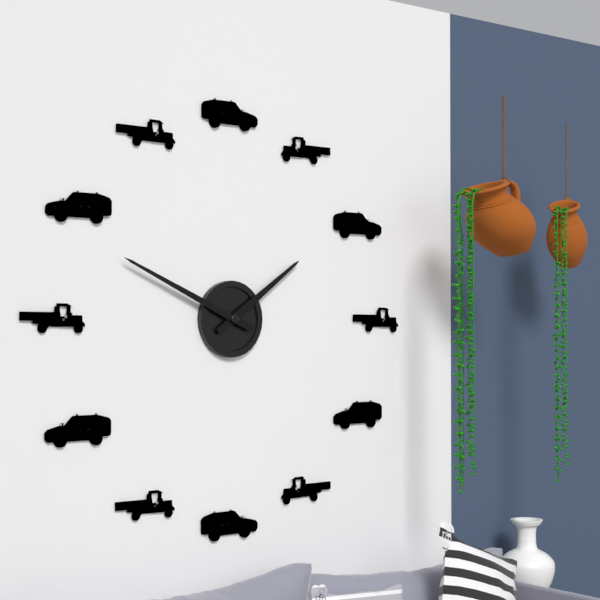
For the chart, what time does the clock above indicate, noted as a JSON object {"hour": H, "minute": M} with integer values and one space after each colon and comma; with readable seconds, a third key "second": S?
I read {"hour": 1, "minute": 49}
